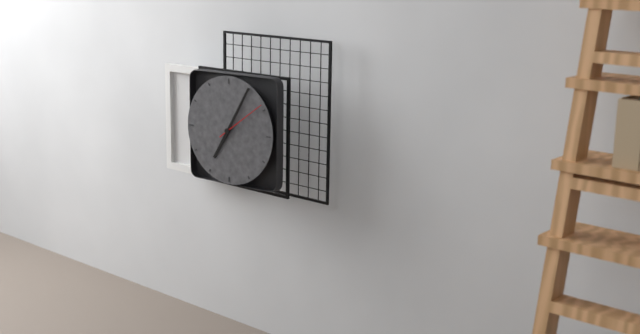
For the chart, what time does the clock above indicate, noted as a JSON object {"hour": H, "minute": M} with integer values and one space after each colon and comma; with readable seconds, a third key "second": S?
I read {"hour": 7, "minute": 5, "second": 9}
